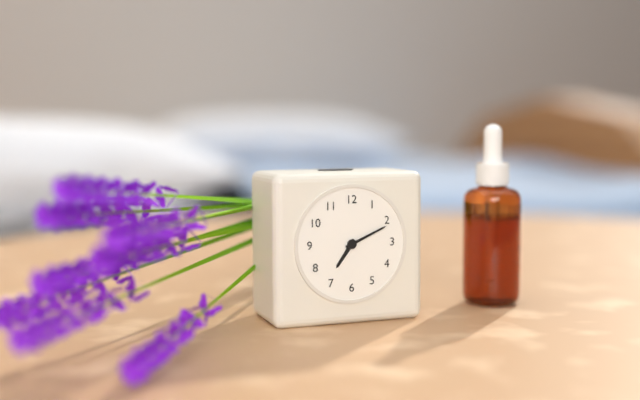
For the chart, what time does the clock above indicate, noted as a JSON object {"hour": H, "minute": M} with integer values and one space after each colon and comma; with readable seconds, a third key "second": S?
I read {"hour": 7, "minute": 11}
